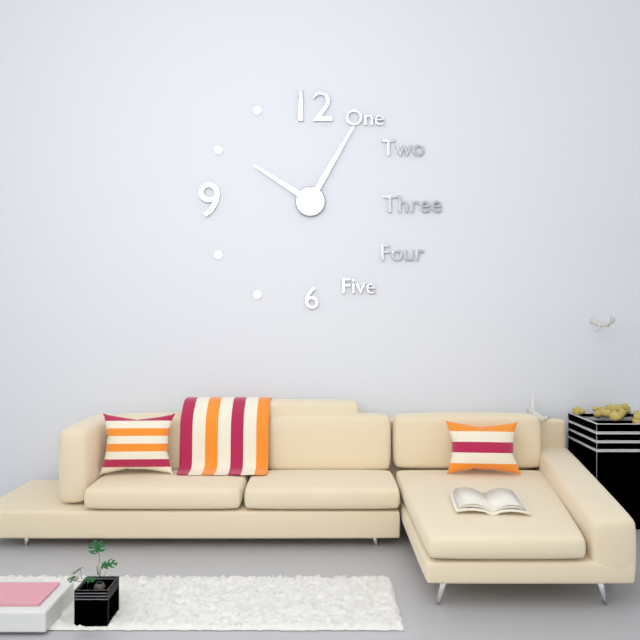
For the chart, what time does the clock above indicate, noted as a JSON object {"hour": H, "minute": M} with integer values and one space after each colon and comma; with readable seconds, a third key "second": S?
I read {"hour": 10, "minute": 5}
